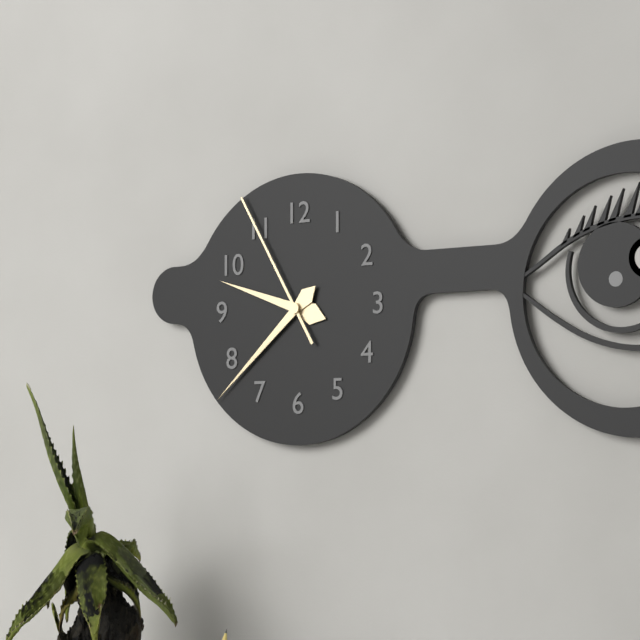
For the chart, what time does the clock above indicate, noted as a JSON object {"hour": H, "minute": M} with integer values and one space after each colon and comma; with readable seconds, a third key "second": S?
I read {"hour": 9, "minute": 38, "second": 55}
